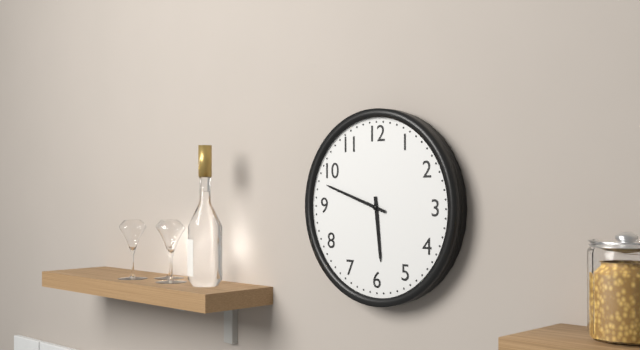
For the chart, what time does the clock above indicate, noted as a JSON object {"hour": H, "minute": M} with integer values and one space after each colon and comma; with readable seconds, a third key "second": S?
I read {"hour": 5, "minute": 48}
